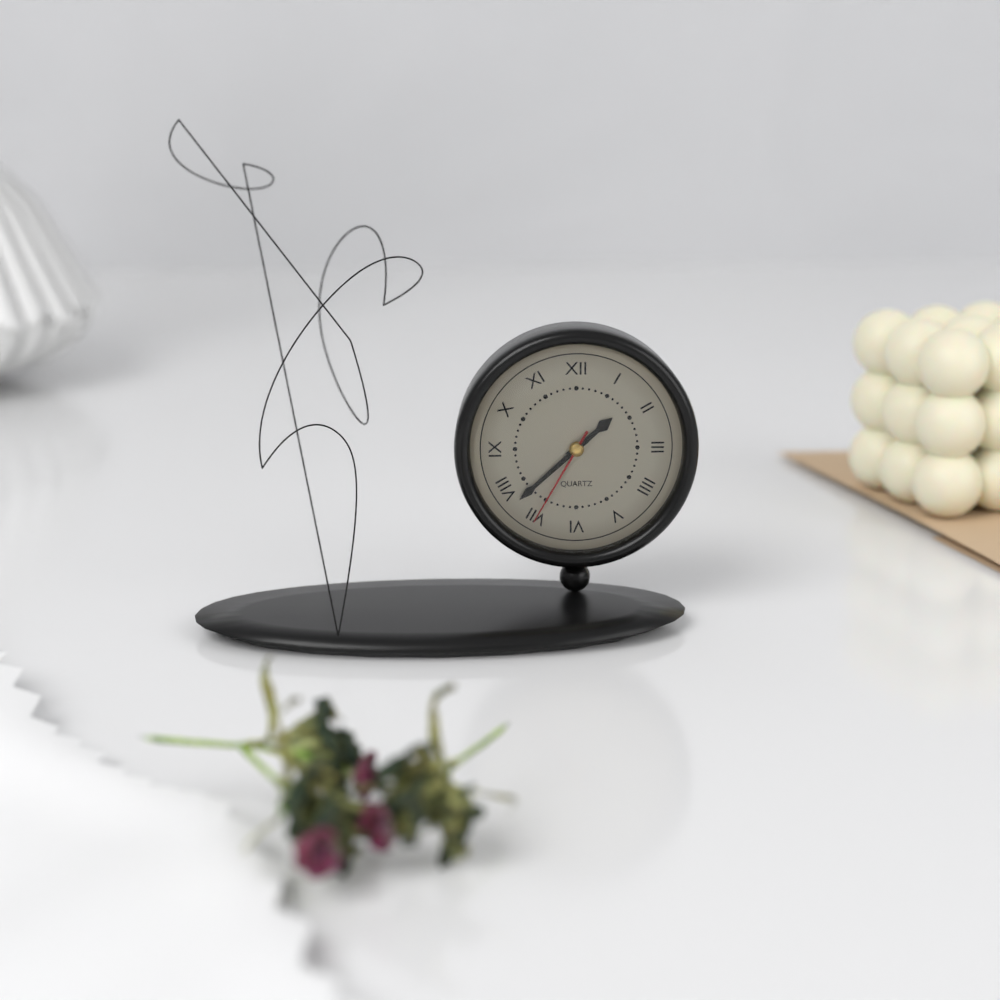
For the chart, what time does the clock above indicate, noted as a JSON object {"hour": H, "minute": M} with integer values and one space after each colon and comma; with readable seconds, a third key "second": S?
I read {"hour": 1, "minute": 38, "second": 35}
